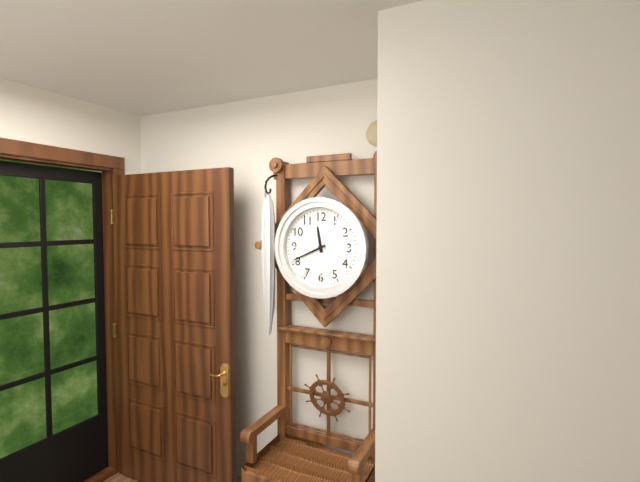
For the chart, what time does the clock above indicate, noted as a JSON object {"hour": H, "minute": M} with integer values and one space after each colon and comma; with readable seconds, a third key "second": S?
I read {"hour": 11, "minute": 41}
